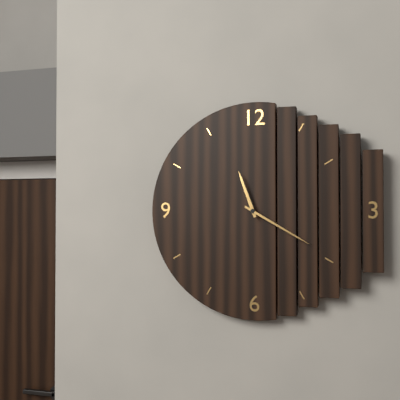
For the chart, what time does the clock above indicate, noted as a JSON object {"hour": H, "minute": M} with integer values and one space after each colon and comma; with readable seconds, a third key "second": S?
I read {"hour": 11, "minute": 20}
